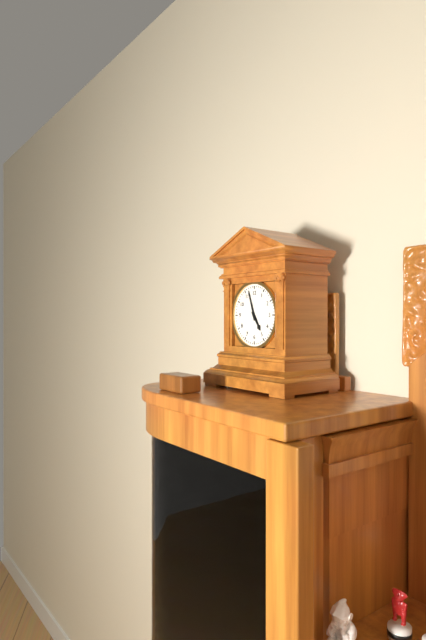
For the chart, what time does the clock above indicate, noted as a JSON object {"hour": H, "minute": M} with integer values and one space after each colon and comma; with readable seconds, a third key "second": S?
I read {"hour": 4, "minute": 57}
